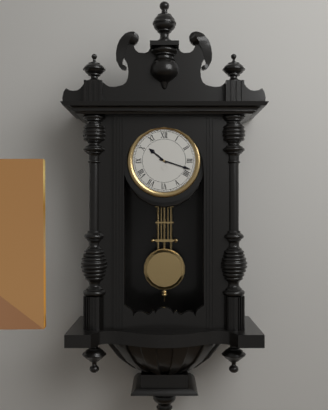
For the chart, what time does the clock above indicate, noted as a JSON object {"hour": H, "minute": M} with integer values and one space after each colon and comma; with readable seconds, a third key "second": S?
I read {"hour": 10, "minute": 18}
